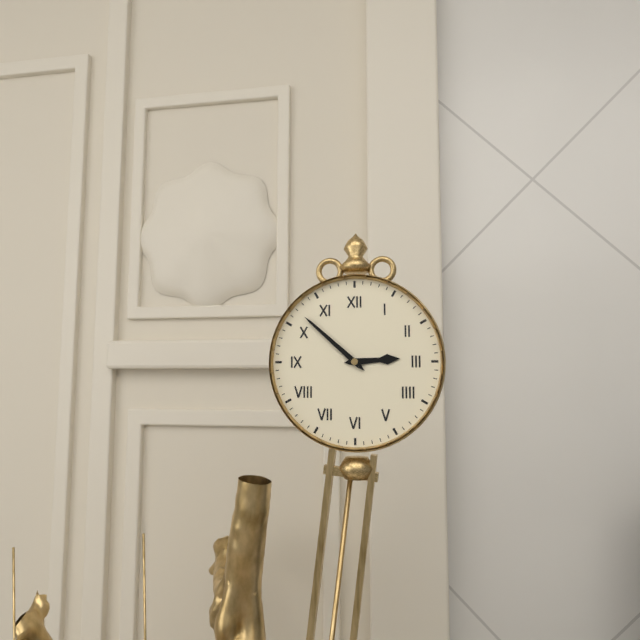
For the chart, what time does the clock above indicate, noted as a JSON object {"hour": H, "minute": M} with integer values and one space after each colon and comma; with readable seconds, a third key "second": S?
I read {"hour": 2, "minute": 52}
